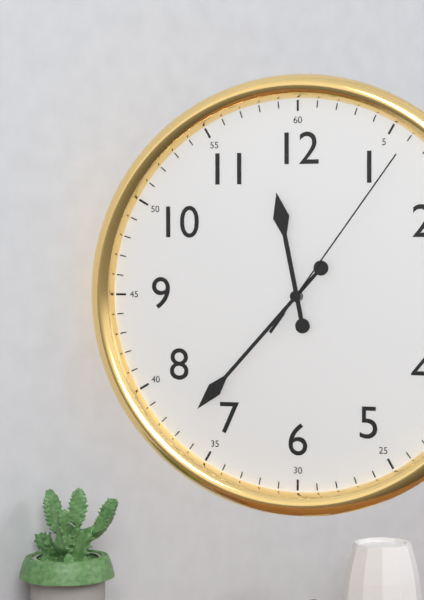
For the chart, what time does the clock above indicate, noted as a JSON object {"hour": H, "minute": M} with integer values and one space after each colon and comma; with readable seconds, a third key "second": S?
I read {"hour": 11, "minute": 37, "second": 6}
